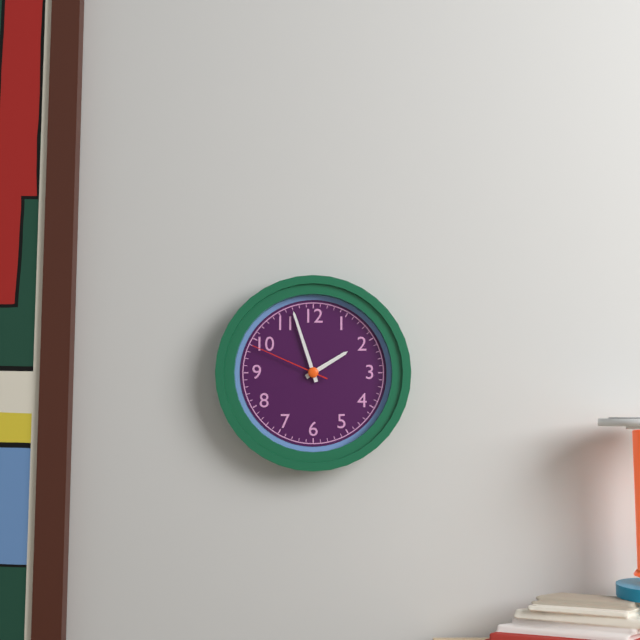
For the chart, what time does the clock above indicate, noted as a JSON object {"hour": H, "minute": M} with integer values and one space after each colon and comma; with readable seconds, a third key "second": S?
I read {"hour": 1, "minute": 57, "second": 49}
